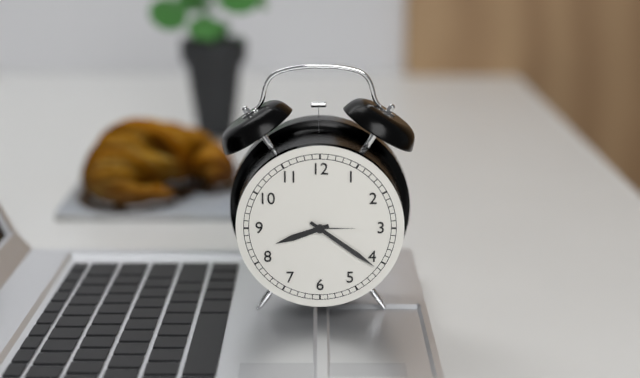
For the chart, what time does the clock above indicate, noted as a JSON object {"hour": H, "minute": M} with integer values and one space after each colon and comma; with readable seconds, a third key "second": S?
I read {"hour": 8, "minute": 21}
